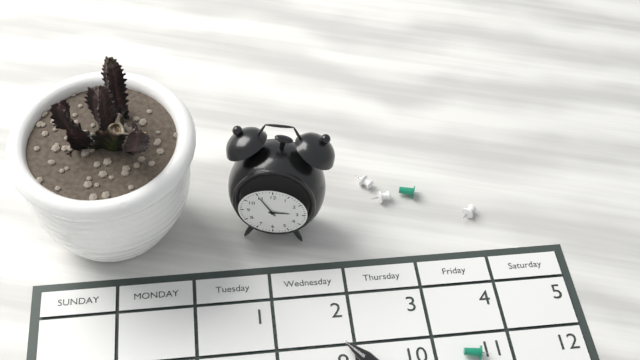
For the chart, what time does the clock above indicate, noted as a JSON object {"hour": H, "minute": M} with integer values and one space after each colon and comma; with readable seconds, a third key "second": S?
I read {"hour": 2, "minute": 55}
